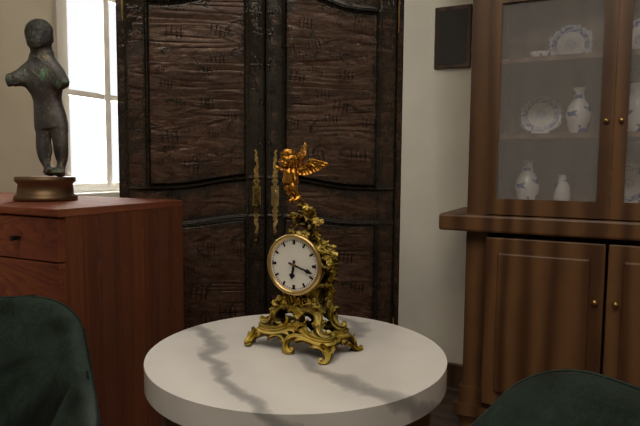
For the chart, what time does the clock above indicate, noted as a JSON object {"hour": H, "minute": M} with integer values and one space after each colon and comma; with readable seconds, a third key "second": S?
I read {"hour": 6, "minute": 18}
